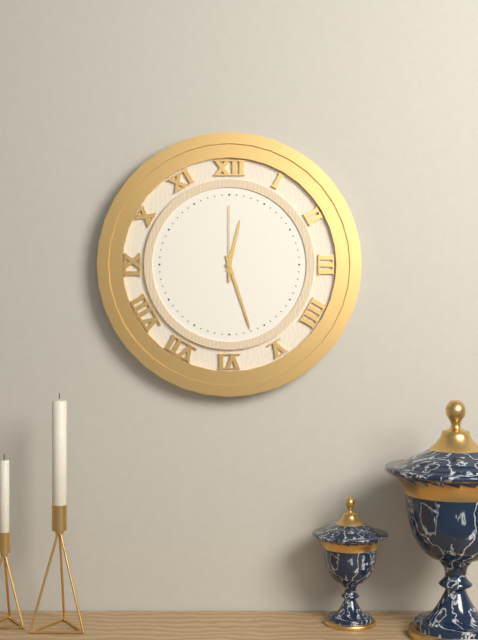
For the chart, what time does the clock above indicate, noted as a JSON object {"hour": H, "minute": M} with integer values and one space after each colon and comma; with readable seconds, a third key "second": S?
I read {"hour": 12, "minute": 27, "second": 0}
